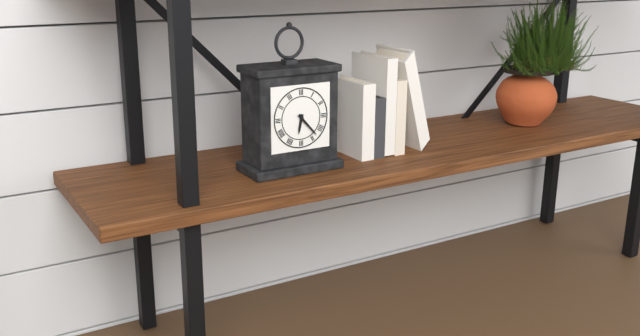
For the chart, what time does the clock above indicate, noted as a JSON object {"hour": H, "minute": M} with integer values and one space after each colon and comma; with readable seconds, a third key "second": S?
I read {"hour": 6, "minute": 23}
